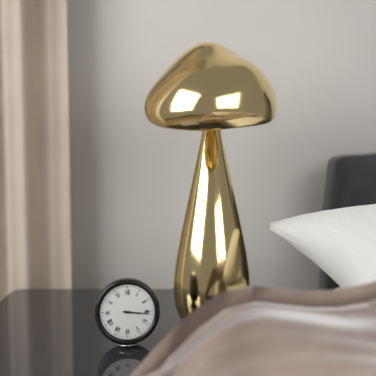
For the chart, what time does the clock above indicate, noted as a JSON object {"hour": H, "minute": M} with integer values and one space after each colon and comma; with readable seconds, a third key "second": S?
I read {"hour": 3, "minute": 16}
